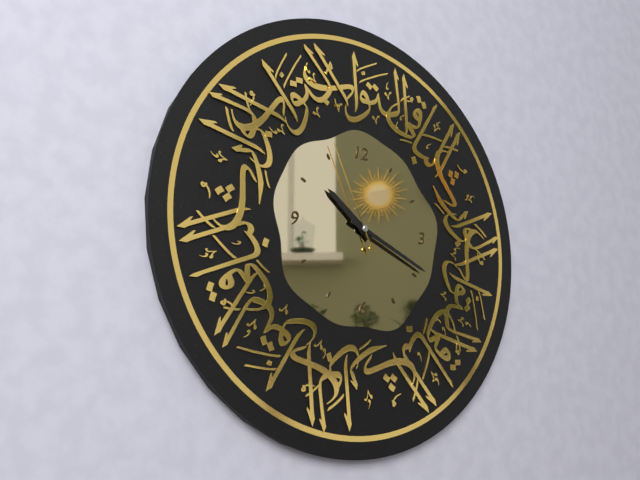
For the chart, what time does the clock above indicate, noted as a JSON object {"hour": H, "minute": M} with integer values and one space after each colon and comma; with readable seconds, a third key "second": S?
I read {"hour": 10, "minute": 19, "second": 56}
